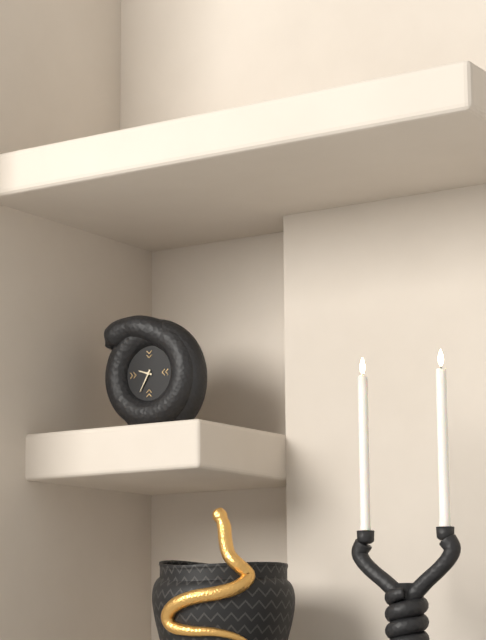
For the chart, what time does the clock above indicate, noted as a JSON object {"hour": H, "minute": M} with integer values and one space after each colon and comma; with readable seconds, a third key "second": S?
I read {"hour": 9, "minute": 35}
